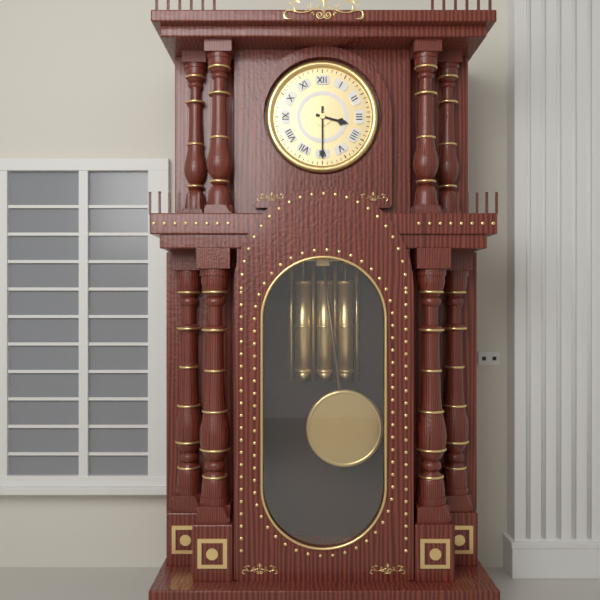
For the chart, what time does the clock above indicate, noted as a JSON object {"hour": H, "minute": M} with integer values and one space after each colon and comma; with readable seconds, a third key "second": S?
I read {"hour": 3, "minute": 30}
